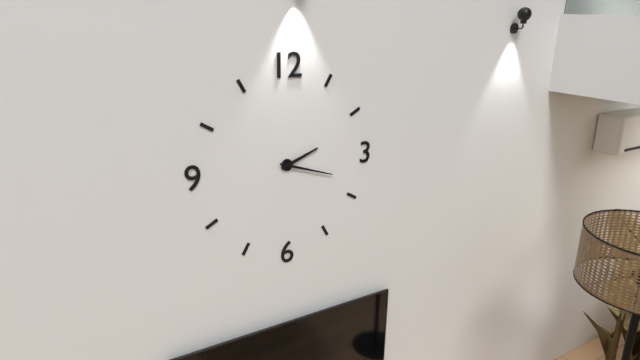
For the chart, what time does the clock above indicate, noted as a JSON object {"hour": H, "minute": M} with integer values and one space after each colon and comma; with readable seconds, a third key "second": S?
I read {"hour": 2, "minute": 18}
